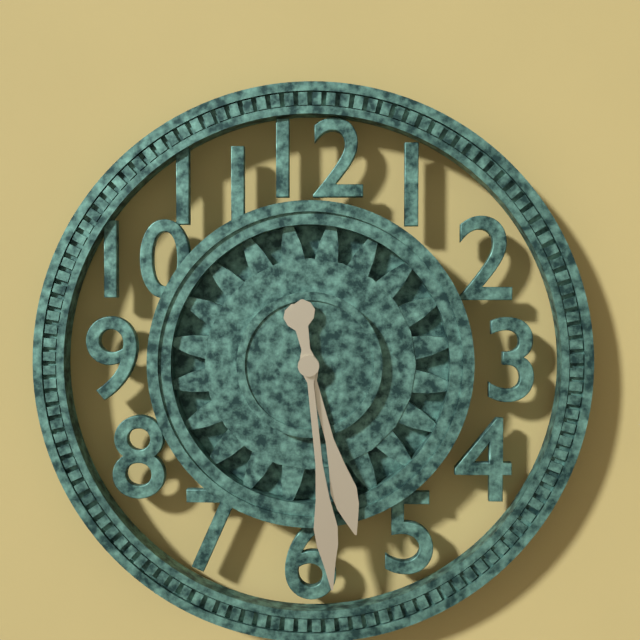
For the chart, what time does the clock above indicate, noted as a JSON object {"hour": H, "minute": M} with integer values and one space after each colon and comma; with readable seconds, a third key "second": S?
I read {"hour": 5, "minute": 29}
